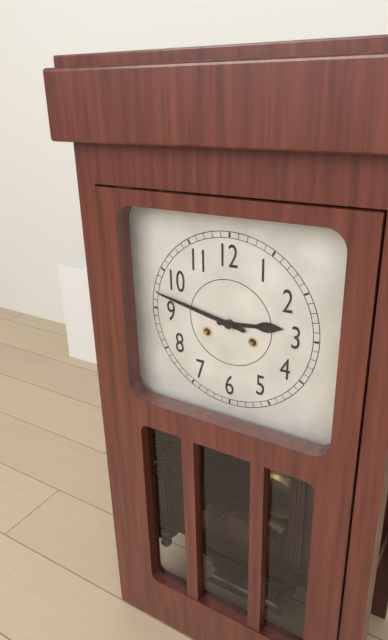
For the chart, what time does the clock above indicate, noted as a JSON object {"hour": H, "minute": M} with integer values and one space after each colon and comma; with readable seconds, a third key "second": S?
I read {"hour": 2, "minute": 47}
